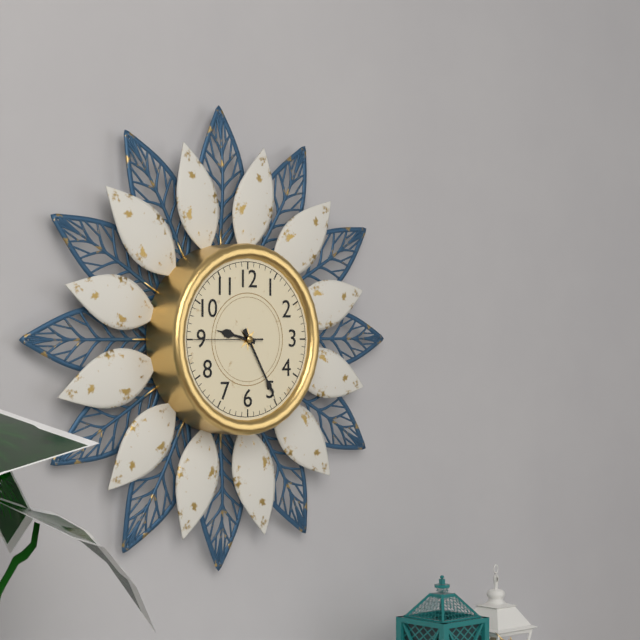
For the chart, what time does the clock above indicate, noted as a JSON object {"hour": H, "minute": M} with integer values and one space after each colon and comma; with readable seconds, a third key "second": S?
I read {"hour": 9, "minute": 25, "second": 45}
